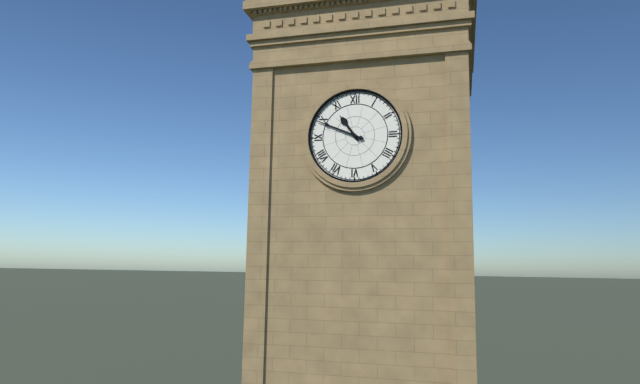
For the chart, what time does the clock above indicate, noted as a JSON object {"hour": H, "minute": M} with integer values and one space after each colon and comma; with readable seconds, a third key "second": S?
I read {"hour": 10, "minute": 49}
